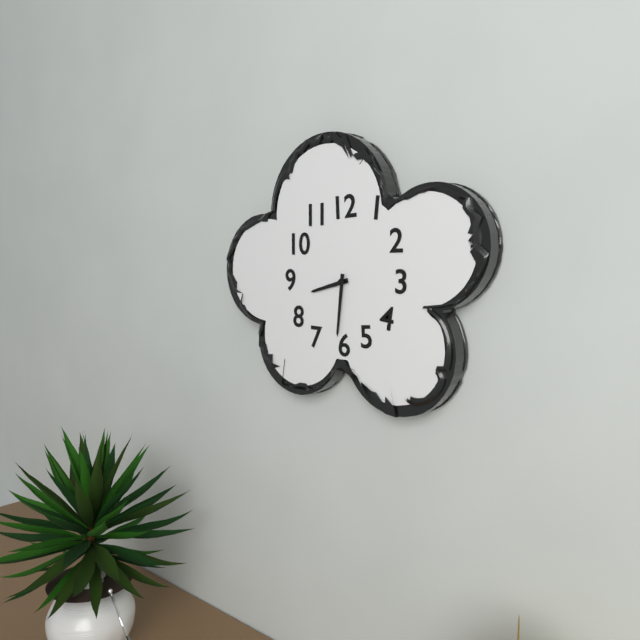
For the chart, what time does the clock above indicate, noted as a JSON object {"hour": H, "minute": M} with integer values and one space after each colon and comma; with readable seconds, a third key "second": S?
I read {"hour": 8, "minute": 31}
